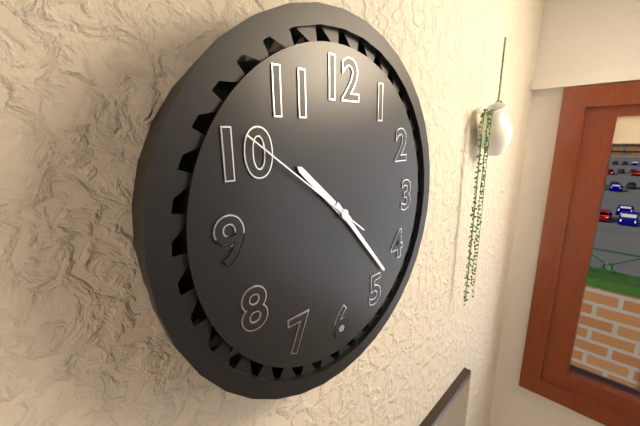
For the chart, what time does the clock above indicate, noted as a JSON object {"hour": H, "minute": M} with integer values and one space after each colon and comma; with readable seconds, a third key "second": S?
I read {"hour": 10, "minute": 23, "second": 51}
